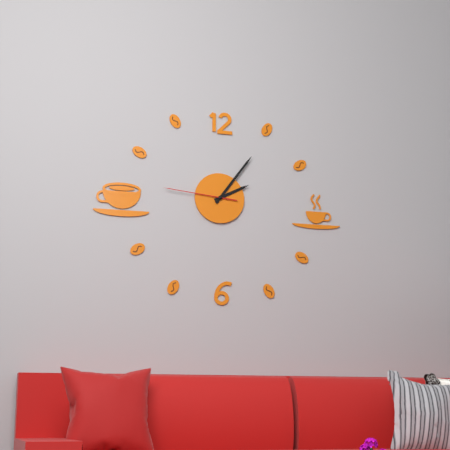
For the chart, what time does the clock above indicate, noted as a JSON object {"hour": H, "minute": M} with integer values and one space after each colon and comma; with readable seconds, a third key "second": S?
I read {"hour": 2, "minute": 6, "second": 46}
